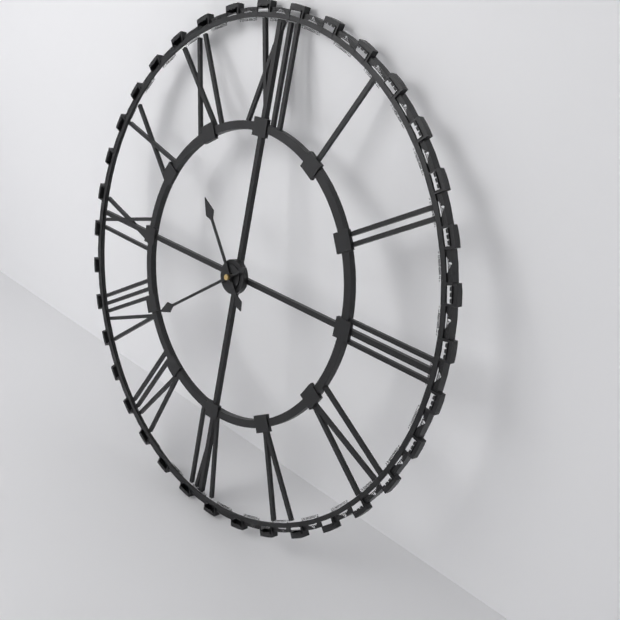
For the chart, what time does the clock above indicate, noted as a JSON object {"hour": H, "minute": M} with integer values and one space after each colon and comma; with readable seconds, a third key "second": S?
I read {"hour": 10, "minute": 39}
